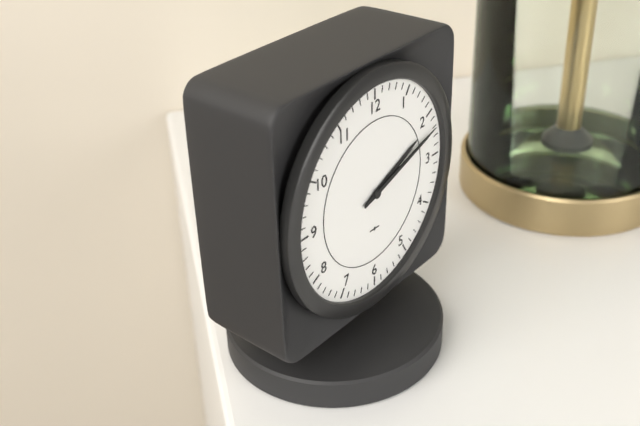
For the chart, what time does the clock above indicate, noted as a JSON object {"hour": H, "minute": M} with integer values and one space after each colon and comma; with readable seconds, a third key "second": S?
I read {"hour": 2, "minute": 12}
